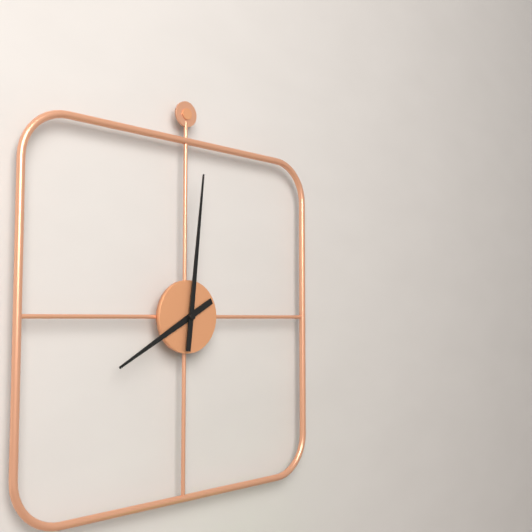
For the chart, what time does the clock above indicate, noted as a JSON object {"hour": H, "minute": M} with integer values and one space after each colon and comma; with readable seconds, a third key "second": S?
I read {"hour": 8, "minute": 1}
